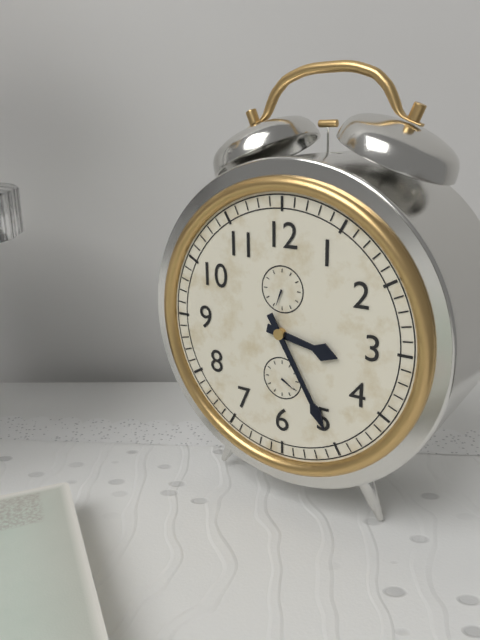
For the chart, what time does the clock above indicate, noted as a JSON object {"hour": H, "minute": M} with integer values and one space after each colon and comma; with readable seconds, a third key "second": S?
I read {"hour": 3, "minute": 25}
